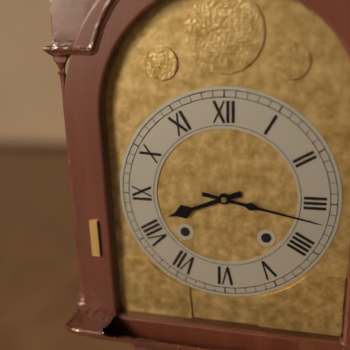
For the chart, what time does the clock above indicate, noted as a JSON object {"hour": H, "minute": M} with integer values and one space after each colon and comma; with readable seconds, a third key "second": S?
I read {"hour": 8, "minute": 17}
